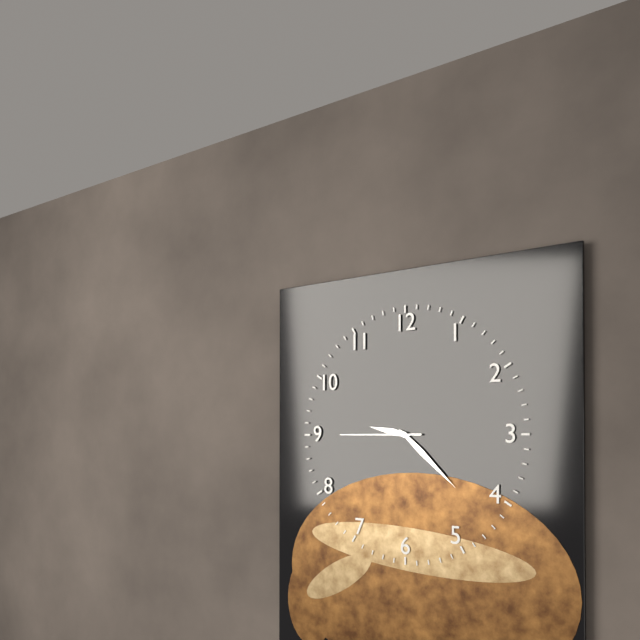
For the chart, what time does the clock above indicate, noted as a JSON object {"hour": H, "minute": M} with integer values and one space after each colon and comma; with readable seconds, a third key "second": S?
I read {"hour": 9, "minute": 22, "second": 45}
